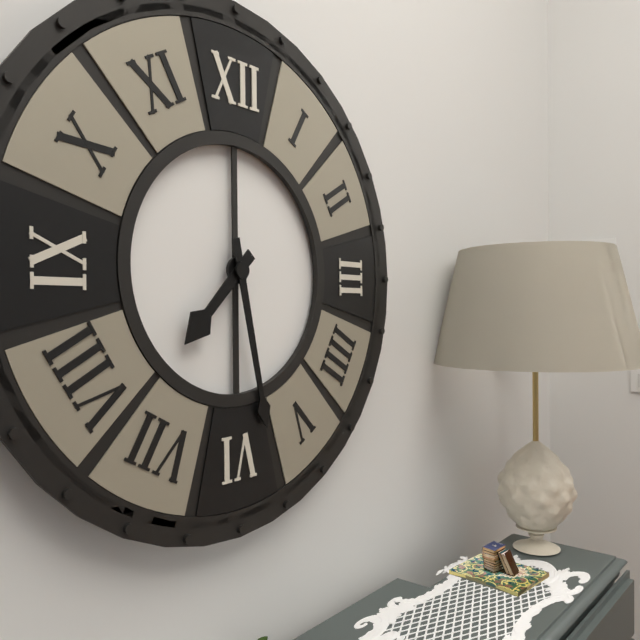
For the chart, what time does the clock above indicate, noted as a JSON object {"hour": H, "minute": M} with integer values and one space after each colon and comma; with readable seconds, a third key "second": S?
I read {"hour": 7, "minute": 28}
